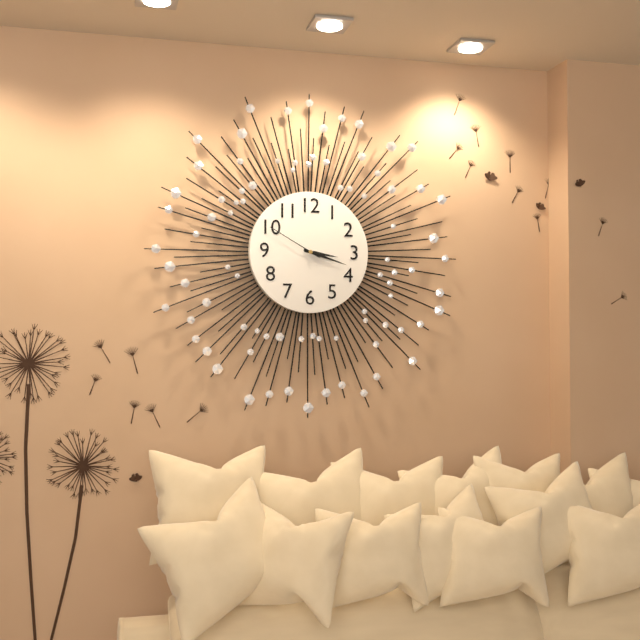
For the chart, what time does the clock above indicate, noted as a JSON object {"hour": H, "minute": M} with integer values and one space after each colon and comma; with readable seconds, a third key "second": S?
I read {"hour": 3, "minute": 18, "second": 50}
